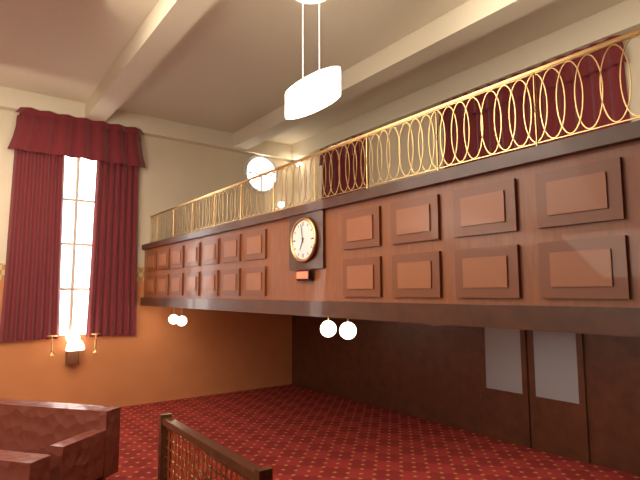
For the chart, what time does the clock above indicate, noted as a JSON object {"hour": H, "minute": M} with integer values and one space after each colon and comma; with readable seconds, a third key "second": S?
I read {"hour": 6, "minute": 58}
